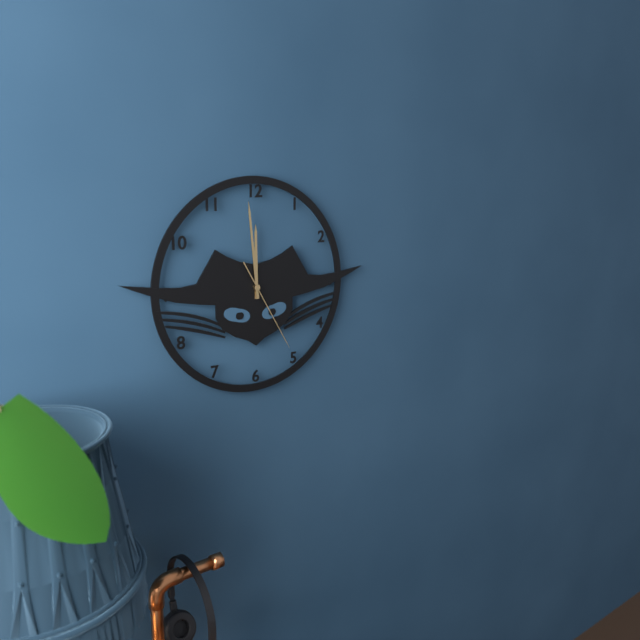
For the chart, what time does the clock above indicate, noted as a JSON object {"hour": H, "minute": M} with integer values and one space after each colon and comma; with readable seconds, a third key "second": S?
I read {"hour": 11, "minute": 59, "second": 25}
